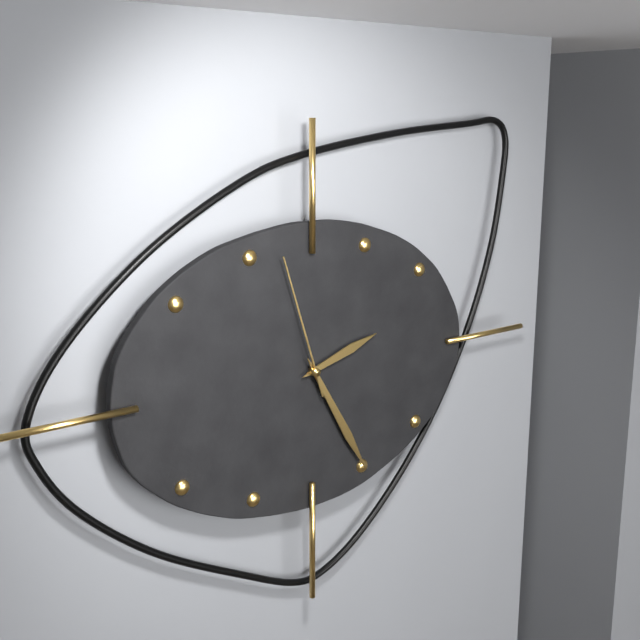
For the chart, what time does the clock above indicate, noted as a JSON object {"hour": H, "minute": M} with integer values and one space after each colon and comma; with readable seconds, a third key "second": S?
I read {"hour": 2, "minute": 25, "second": 57}
